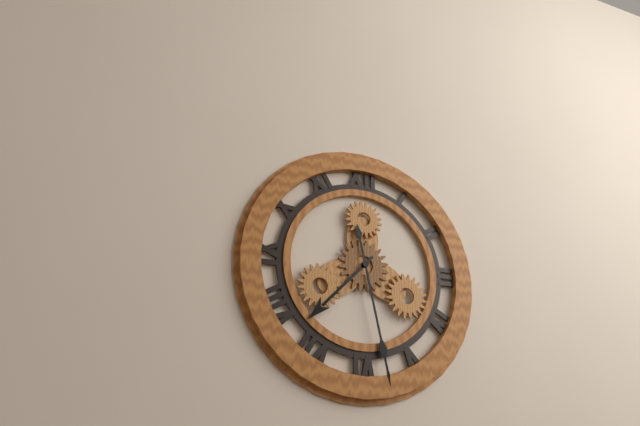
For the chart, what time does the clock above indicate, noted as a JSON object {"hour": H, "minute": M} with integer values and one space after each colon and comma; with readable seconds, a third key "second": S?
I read {"hour": 7, "minute": 28}
